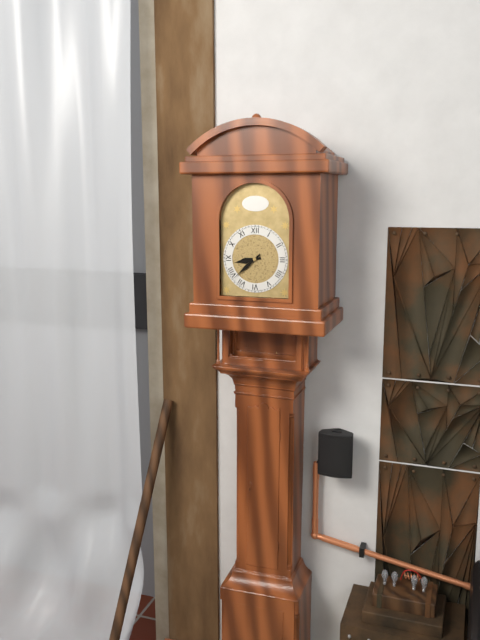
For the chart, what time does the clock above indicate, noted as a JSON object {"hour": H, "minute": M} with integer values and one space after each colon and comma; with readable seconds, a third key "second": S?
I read {"hour": 8, "minute": 38}
